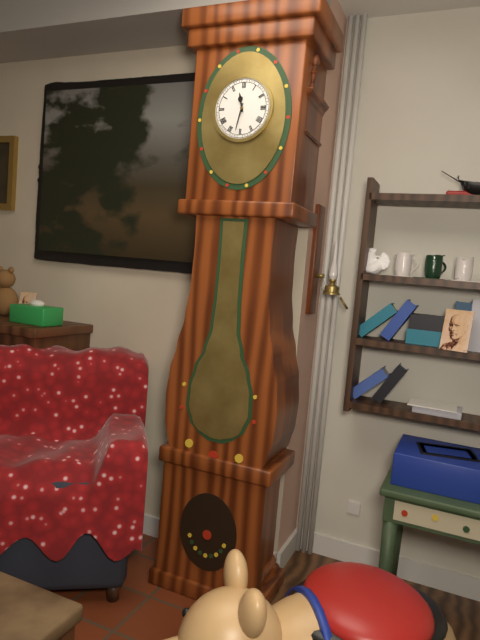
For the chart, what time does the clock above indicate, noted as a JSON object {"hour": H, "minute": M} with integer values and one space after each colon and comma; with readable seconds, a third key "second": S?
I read {"hour": 11, "minute": 32}
